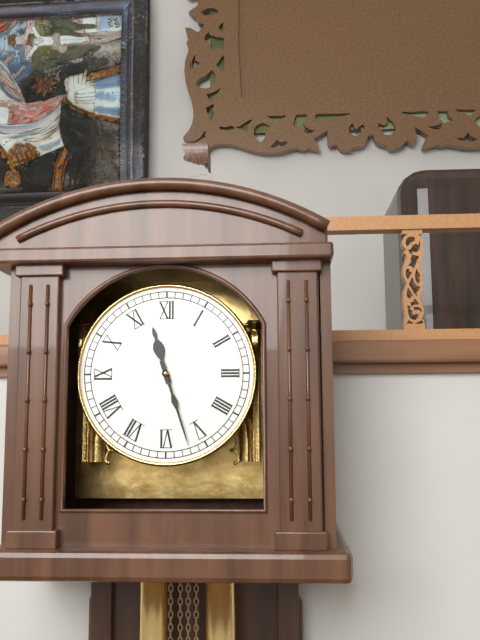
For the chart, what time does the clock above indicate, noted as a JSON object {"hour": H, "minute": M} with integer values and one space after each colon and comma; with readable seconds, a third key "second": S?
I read {"hour": 11, "minute": 27}
